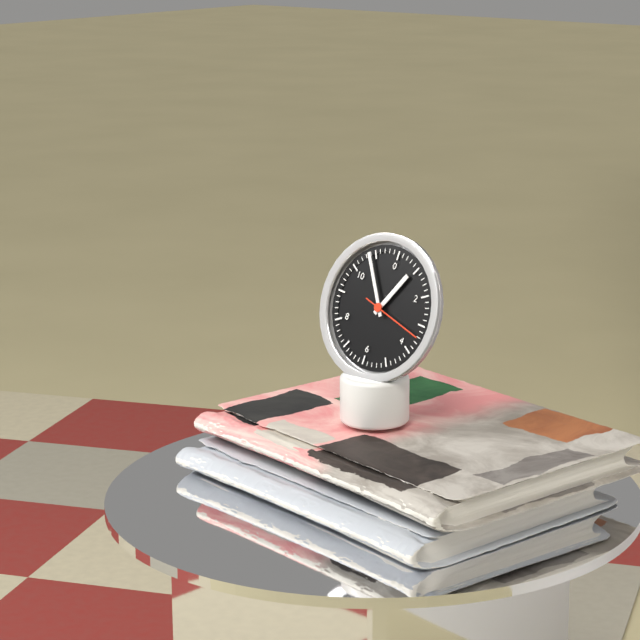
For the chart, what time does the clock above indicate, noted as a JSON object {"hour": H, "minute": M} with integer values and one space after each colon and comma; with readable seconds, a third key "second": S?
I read {"hour": 12, "minute": 54, "second": 17}
